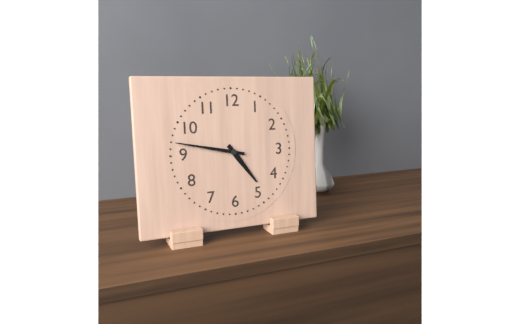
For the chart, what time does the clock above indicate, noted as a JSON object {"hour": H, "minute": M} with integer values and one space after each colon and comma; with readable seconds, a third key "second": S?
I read {"hour": 4, "minute": 47}
